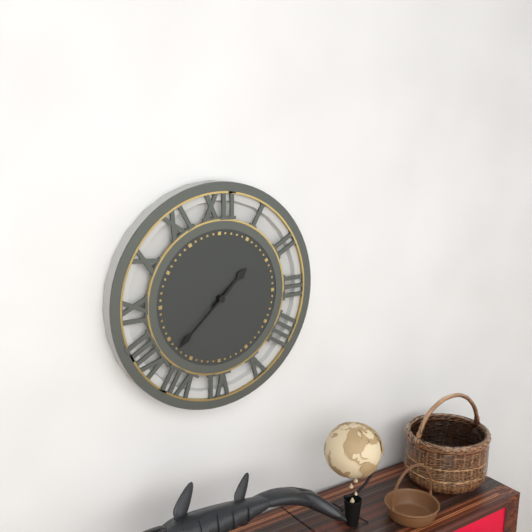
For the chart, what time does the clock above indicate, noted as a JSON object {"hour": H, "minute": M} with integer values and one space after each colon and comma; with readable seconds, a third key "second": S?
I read {"hour": 1, "minute": 38}
